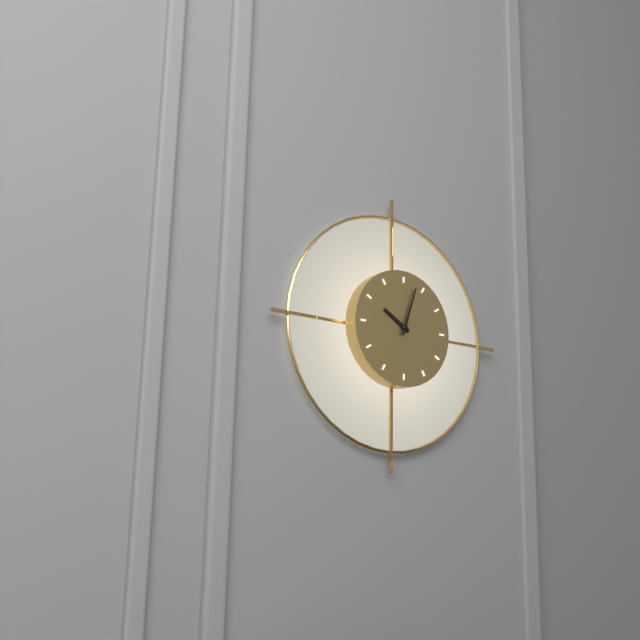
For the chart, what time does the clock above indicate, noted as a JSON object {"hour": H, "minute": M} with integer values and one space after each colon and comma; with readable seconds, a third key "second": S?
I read {"hour": 10, "minute": 3}
